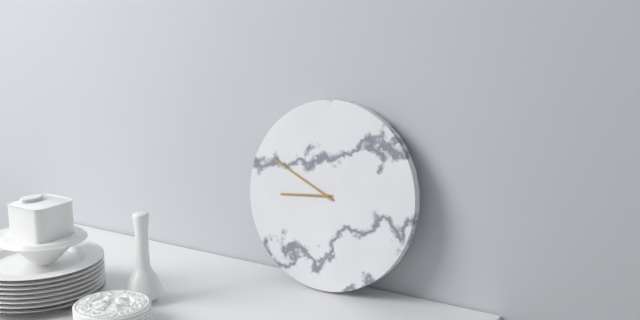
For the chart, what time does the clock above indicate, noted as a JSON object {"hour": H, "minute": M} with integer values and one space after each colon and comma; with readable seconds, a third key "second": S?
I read {"hour": 8, "minute": 49}
